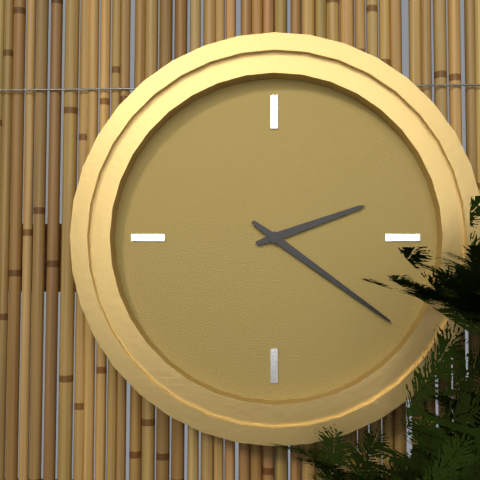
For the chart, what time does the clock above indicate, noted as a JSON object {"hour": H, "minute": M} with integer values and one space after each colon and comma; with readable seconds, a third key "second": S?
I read {"hour": 2, "minute": 21}
